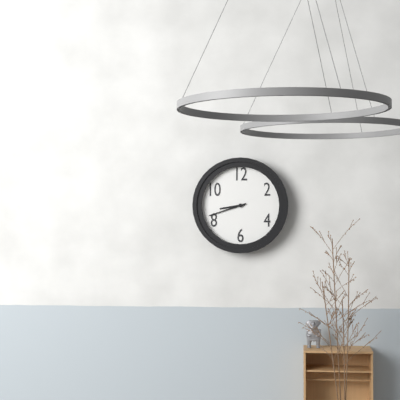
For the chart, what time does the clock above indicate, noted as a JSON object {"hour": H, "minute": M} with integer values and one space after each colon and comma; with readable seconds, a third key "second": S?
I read {"hour": 8, "minute": 42}
